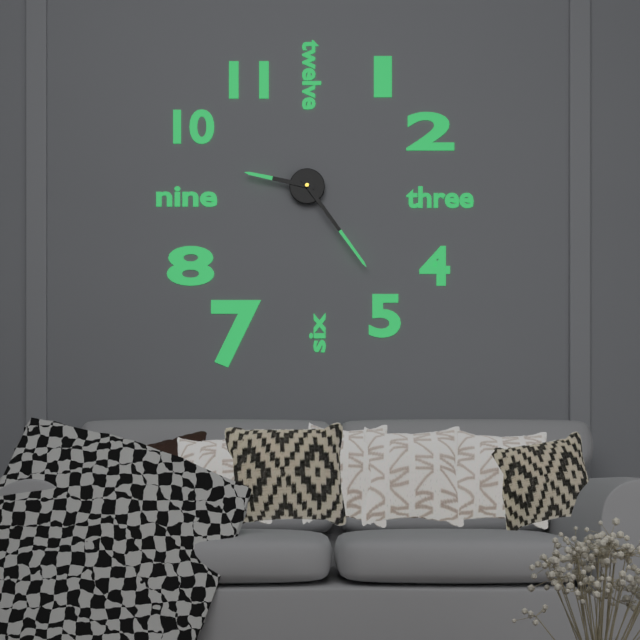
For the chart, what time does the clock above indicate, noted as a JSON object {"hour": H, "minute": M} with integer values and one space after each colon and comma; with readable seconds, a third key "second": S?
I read {"hour": 9, "minute": 24}
